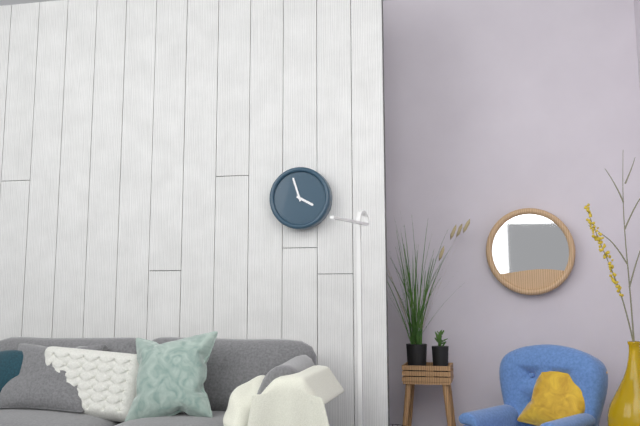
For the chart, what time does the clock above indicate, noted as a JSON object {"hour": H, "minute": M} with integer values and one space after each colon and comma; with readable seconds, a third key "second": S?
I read {"hour": 3, "minute": 57}
